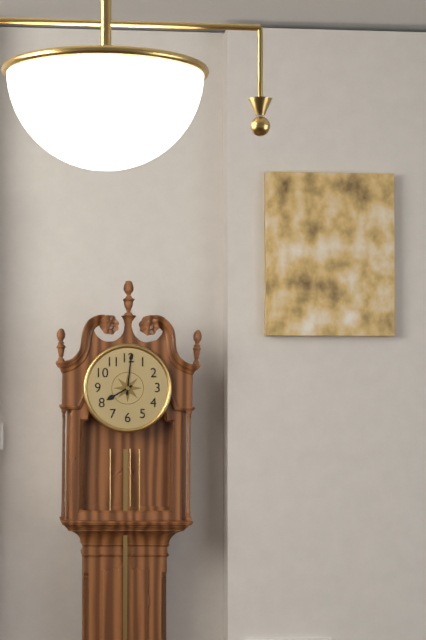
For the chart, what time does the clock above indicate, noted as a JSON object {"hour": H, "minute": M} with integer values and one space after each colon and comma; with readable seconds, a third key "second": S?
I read {"hour": 8, "minute": 1}
